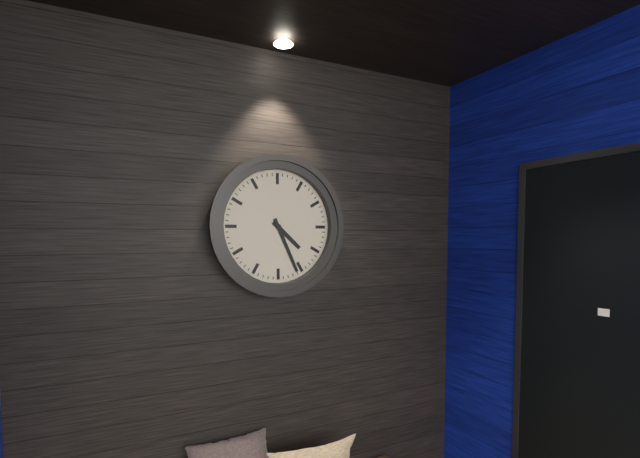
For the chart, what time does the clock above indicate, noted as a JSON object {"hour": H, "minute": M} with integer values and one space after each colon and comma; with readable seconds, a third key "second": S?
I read {"hour": 4, "minute": 26}
